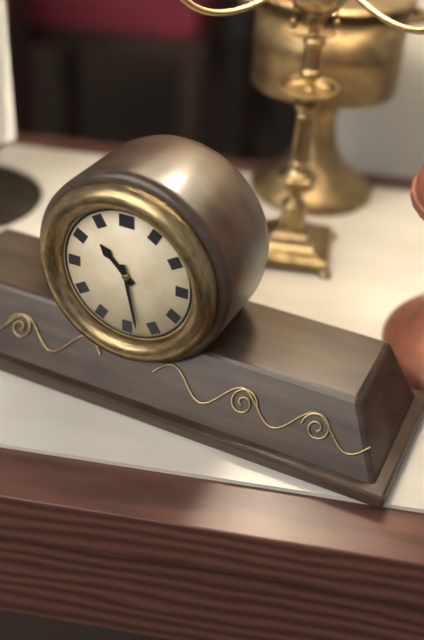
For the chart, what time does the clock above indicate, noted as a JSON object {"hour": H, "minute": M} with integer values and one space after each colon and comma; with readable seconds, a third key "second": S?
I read {"hour": 10, "minute": 28}
